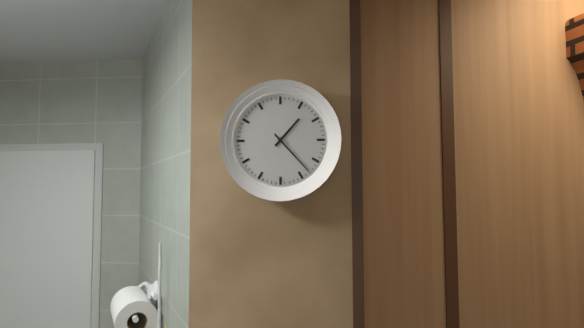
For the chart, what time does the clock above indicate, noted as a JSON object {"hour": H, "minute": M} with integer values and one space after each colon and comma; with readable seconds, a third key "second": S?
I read {"hour": 1, "minute": 23}
